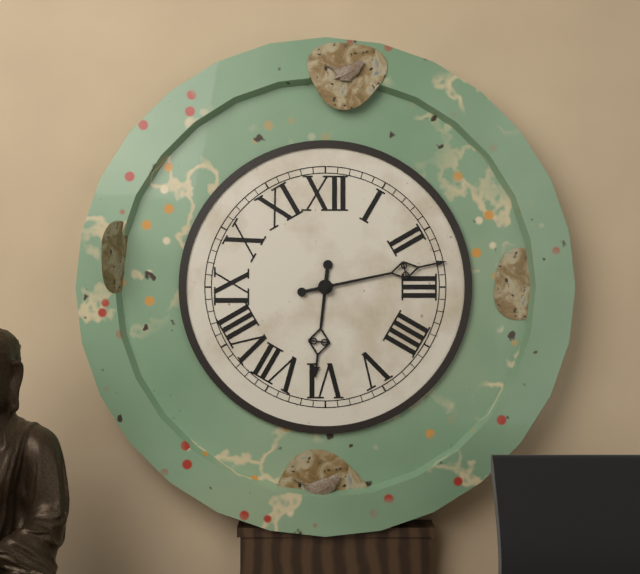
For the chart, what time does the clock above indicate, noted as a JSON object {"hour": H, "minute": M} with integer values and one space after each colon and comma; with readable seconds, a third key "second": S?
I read {"hour": 6, "minute": 13}
